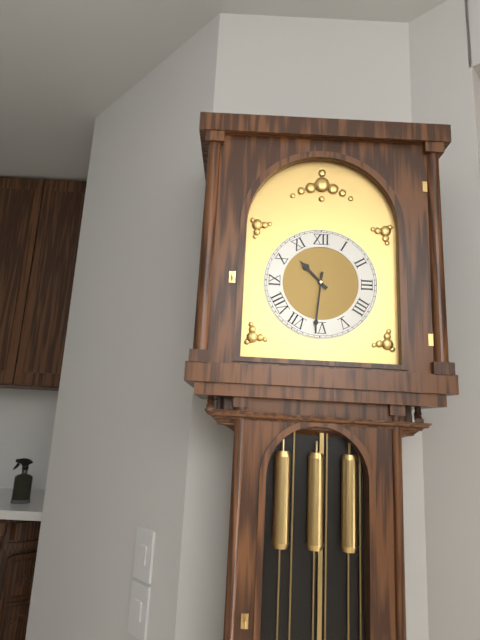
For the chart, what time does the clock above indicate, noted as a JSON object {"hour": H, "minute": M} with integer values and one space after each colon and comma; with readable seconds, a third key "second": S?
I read {"hour": 10, "minute": 31}
